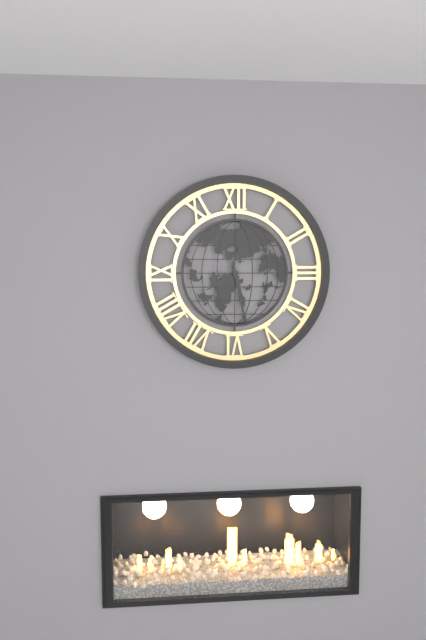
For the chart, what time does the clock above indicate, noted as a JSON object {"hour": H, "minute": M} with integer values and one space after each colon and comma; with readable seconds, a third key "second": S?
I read {"hour": 5, "minute": 28}
